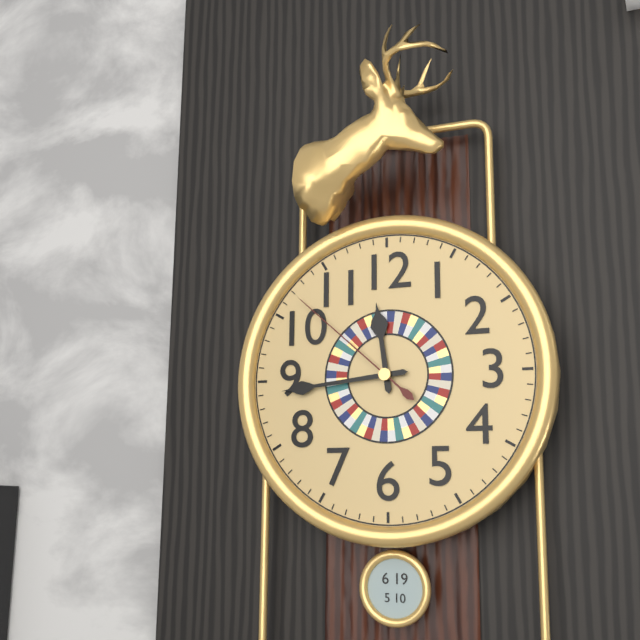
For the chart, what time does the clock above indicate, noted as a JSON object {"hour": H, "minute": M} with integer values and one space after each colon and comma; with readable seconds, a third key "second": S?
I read {"hour": 11, "minute": 44, "second": 52}
